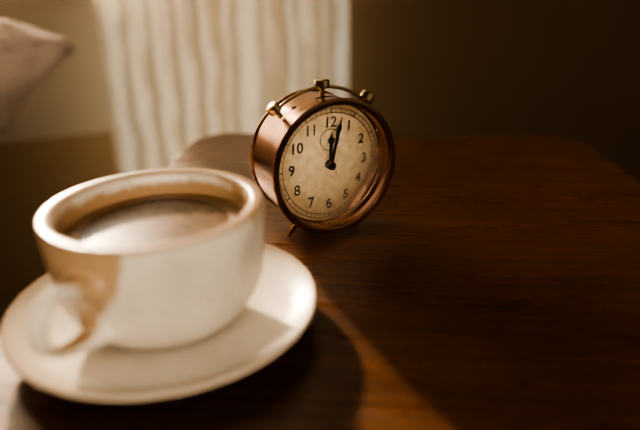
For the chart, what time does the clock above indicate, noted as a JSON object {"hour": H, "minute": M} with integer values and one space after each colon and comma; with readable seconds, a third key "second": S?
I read {"hour": 12, "minute": 2, "second": 55}
